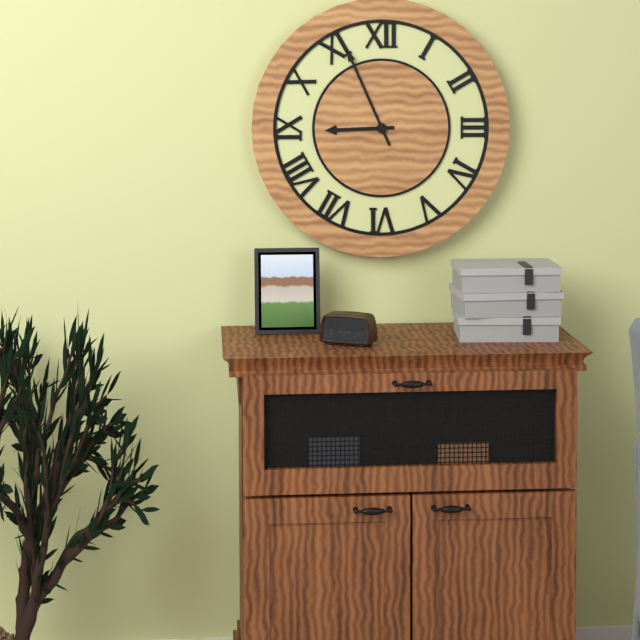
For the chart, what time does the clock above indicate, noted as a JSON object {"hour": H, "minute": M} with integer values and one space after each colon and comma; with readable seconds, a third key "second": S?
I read {"hour": 8, "minute": 56}
